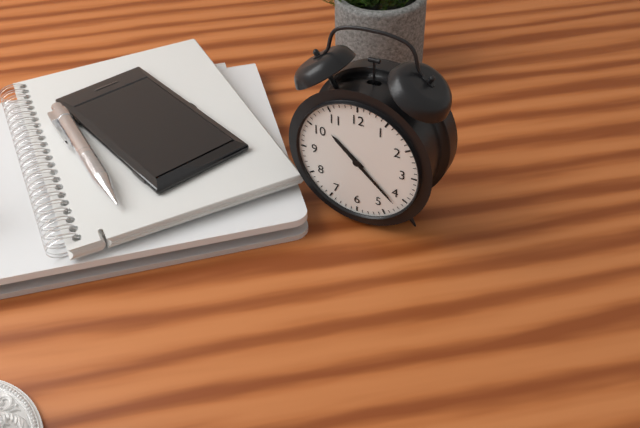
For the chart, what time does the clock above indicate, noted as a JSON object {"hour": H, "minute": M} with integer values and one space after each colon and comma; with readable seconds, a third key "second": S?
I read {"hour": 10, "minute": 22}
